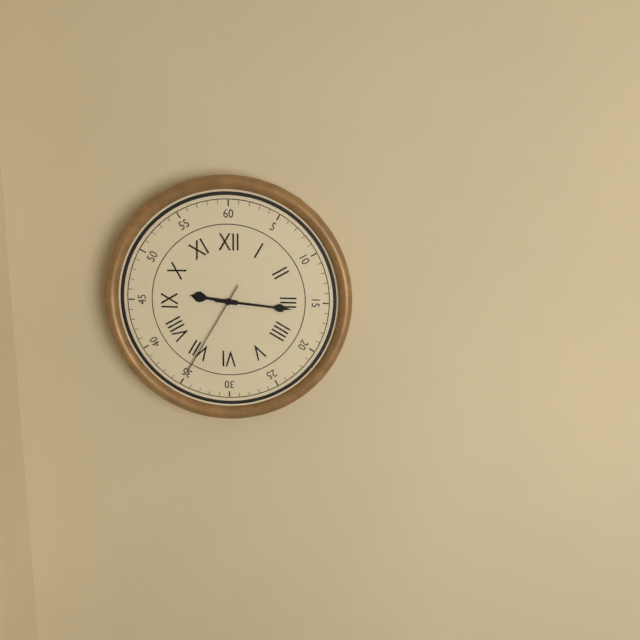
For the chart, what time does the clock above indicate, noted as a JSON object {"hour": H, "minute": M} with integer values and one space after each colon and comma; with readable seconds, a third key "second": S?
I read {"hour": 9, "minute": 16, "second": 35}
